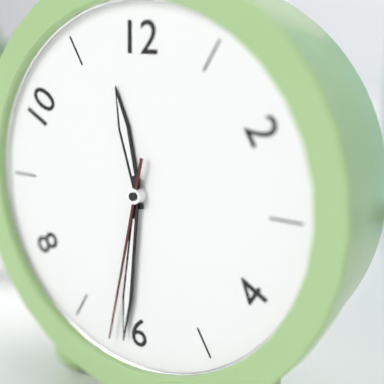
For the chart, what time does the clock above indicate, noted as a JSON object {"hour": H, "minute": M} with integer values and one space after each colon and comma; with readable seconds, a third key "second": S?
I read {"hour": 11, "minute": 31, "second": 32}
